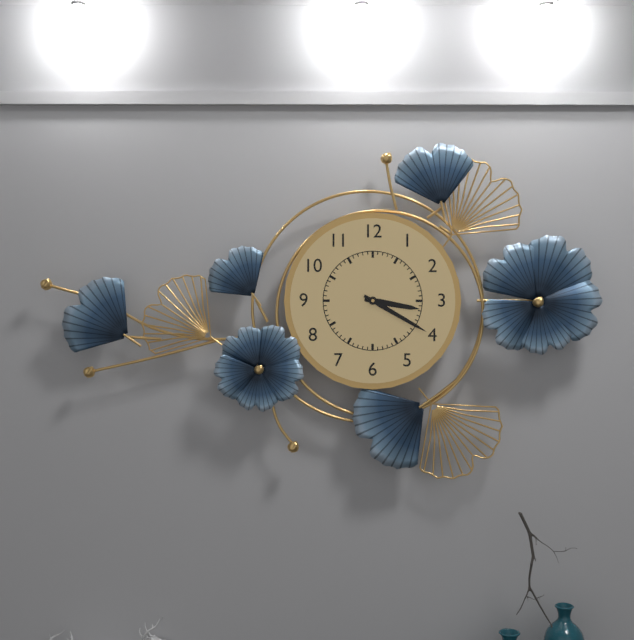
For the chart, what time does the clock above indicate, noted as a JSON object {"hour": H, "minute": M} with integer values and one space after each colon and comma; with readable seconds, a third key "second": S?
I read {"hour": 3, "minute": 20}
